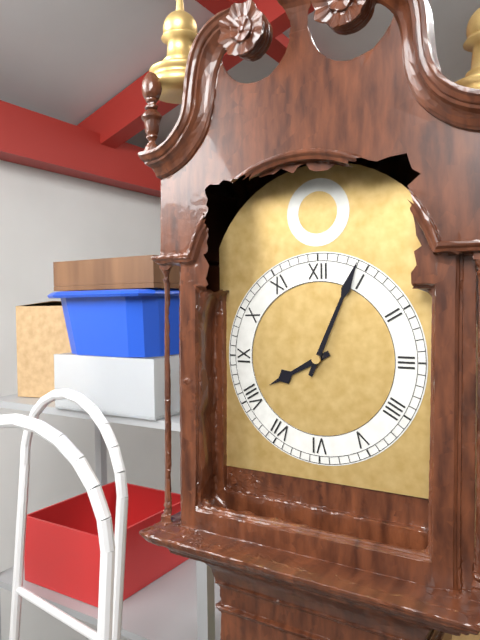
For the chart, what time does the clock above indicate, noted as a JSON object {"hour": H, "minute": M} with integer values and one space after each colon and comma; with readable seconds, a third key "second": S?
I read {"hour": 8, "minute": 4}
